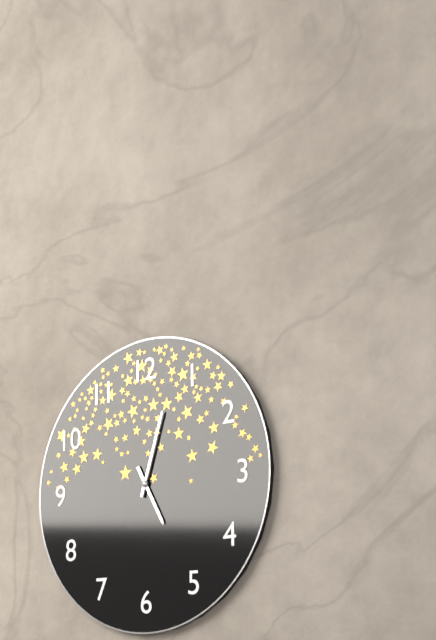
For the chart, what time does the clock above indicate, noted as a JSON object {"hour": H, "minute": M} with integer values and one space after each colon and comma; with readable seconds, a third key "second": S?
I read {"hour": 5, "minute": 3}
